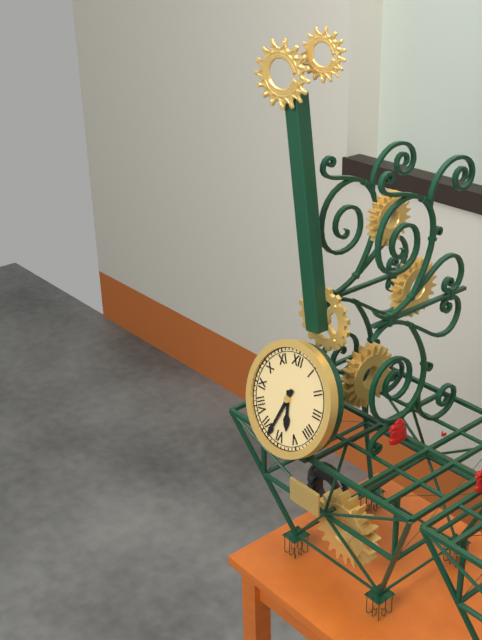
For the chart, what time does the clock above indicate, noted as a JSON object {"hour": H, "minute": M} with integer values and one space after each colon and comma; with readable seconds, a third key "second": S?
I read {"hour": 5, "minute": 33}
